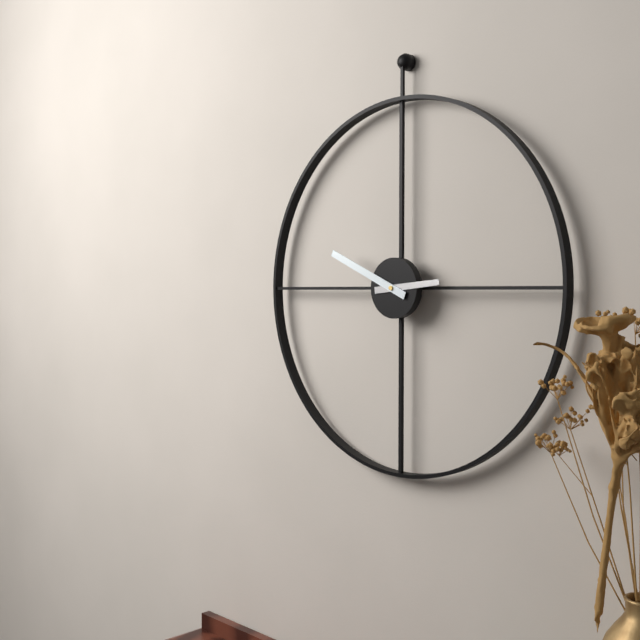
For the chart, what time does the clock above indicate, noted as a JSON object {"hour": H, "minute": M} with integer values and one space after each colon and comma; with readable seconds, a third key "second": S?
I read {"hour": 2, "minute": 49}
